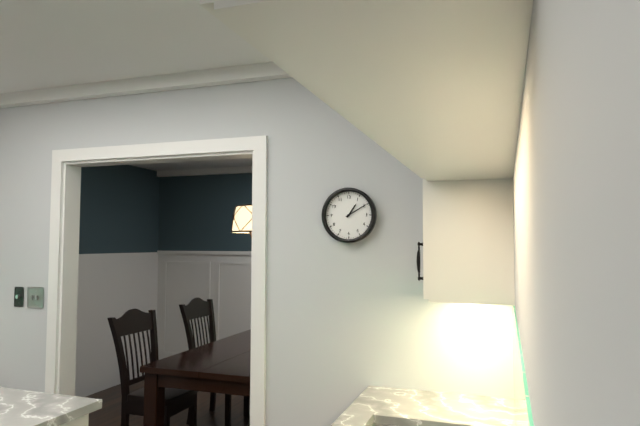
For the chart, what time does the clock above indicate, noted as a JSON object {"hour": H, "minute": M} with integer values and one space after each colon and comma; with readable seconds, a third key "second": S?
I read {"hour": 1, "minute": 10}
